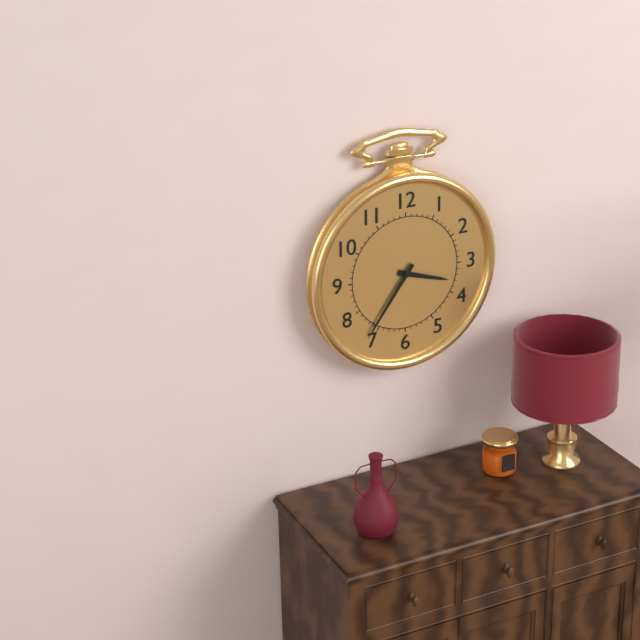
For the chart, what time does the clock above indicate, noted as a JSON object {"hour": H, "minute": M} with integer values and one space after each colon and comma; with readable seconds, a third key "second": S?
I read {"hour": 3, "minute": 36}
